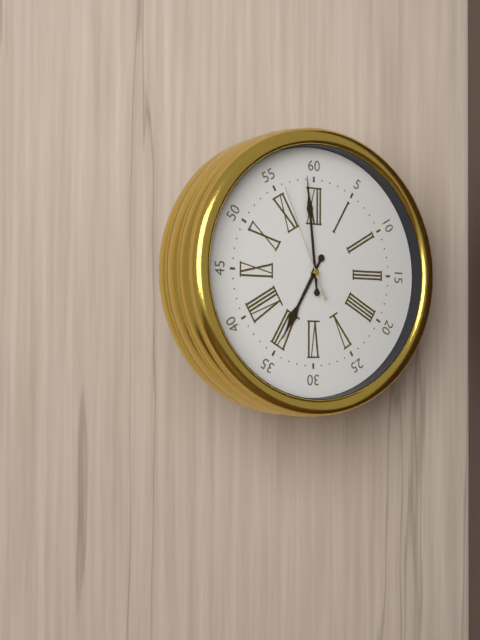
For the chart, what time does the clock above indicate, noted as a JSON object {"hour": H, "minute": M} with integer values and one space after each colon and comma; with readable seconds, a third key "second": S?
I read {"hour": 6, "minute": 59, "second": 56}
